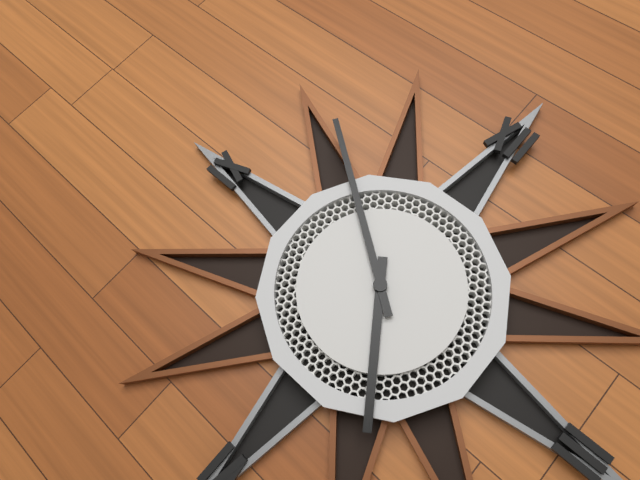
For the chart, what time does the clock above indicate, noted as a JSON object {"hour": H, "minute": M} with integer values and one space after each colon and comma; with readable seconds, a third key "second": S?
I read {"hour": 4, "minute": 51}
